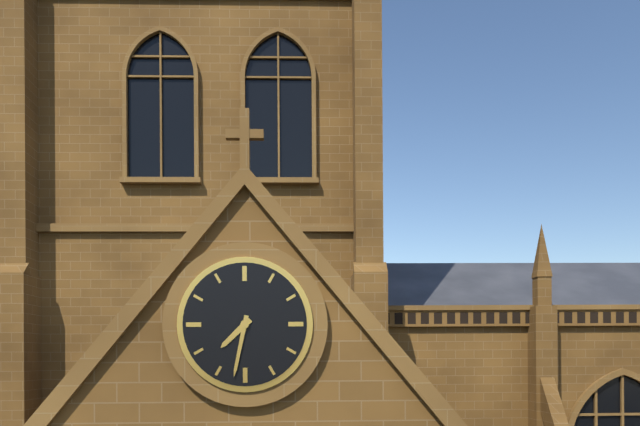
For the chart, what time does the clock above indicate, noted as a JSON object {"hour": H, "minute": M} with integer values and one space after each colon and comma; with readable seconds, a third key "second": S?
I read {"hour": 7, "minute": 32}
